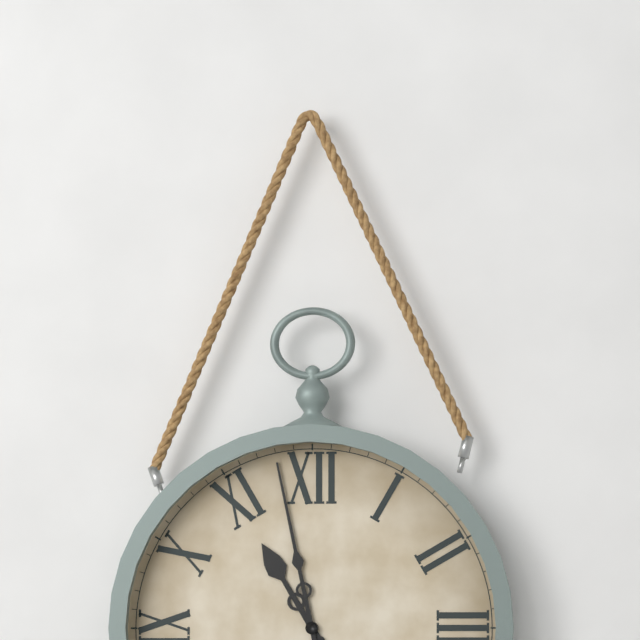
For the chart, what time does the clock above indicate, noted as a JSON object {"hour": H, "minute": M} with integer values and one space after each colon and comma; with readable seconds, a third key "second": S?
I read {"hour": 10, "minute": 58}
